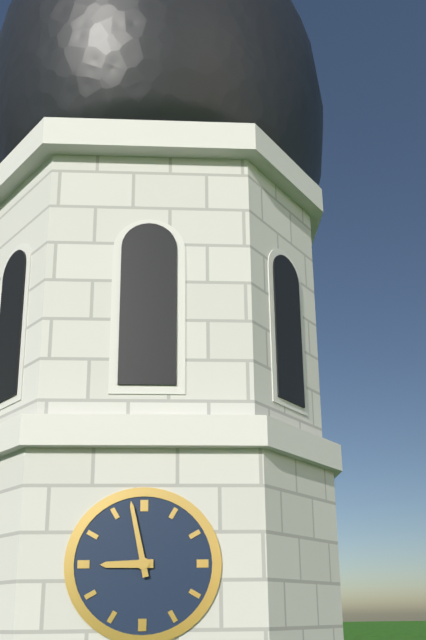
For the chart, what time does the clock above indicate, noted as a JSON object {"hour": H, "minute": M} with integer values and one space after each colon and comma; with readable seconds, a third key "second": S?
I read {"hour": 8, "minute": 58}
